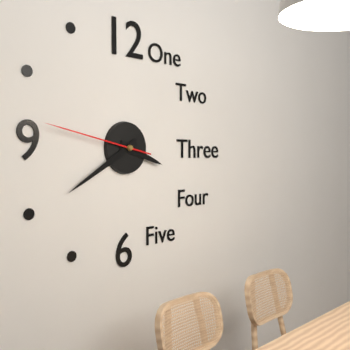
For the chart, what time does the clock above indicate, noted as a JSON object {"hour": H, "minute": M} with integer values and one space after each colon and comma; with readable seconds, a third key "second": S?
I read {"hour": 3, "minute": 40, "second": 47}
